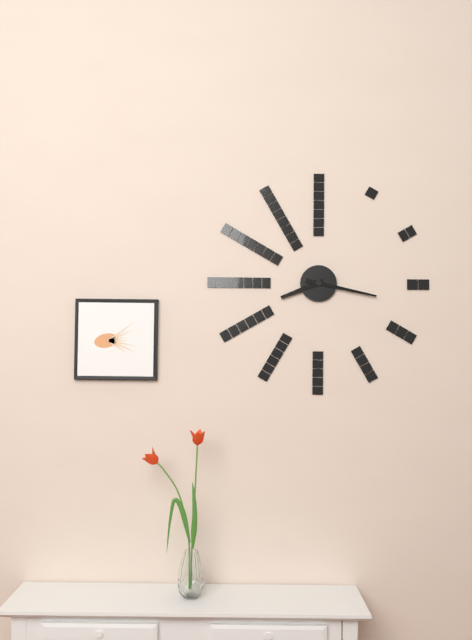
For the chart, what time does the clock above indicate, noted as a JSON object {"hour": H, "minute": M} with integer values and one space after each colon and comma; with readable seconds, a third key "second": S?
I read {"hour": 8, "minute": 17}
